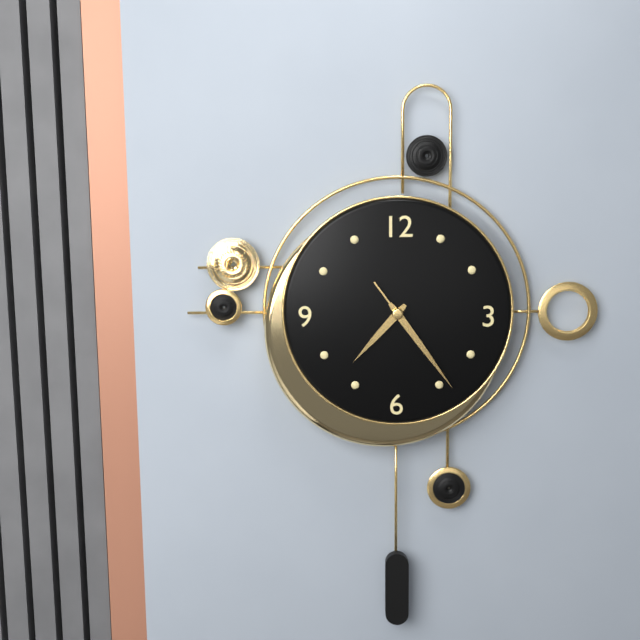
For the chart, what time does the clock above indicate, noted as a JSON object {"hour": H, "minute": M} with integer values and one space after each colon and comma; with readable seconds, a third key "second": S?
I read {"hour": 7, "minute": 24, "second": 24}
